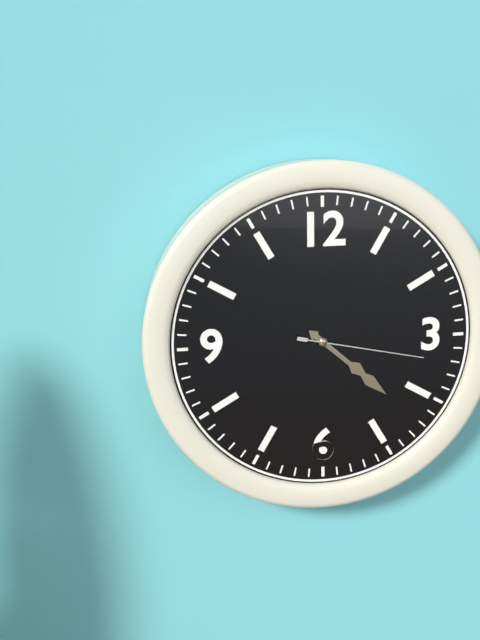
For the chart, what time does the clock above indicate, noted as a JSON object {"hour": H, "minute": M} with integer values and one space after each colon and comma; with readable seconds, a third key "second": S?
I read {"hour": 4, "minute": 22, "second": 17}
